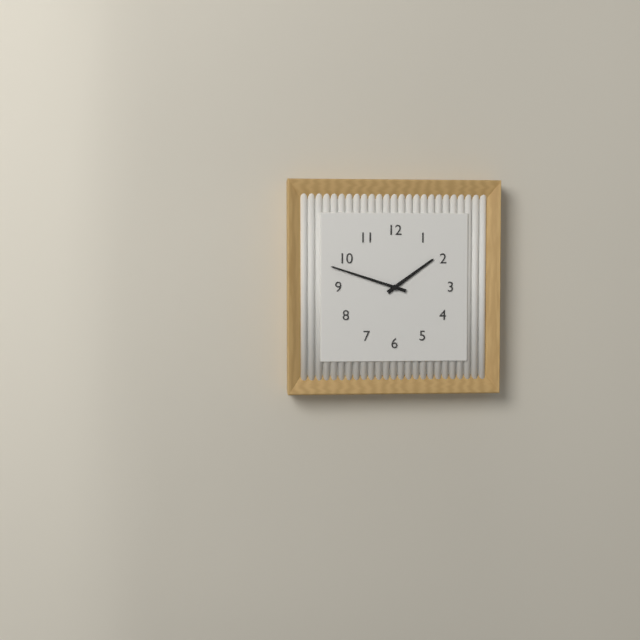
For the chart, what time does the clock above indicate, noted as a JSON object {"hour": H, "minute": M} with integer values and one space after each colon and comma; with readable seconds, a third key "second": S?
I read {"hour": 1, "minute": 48}
